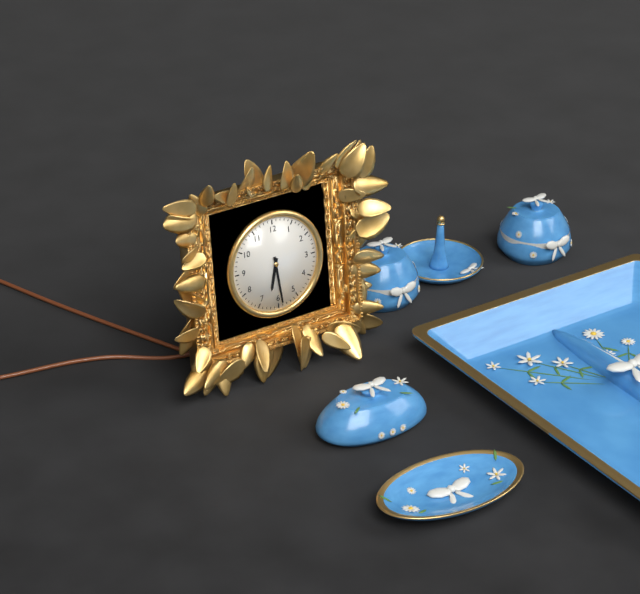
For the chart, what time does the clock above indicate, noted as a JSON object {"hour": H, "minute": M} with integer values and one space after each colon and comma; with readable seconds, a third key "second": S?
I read {"hour": 6, "minute": 29}
